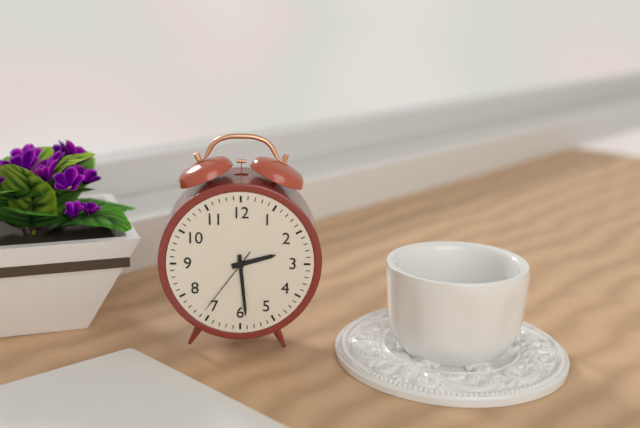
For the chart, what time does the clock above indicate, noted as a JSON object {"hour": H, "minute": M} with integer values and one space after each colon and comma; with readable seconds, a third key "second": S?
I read {"hour": 2, "minute": 29, "second": 36}
